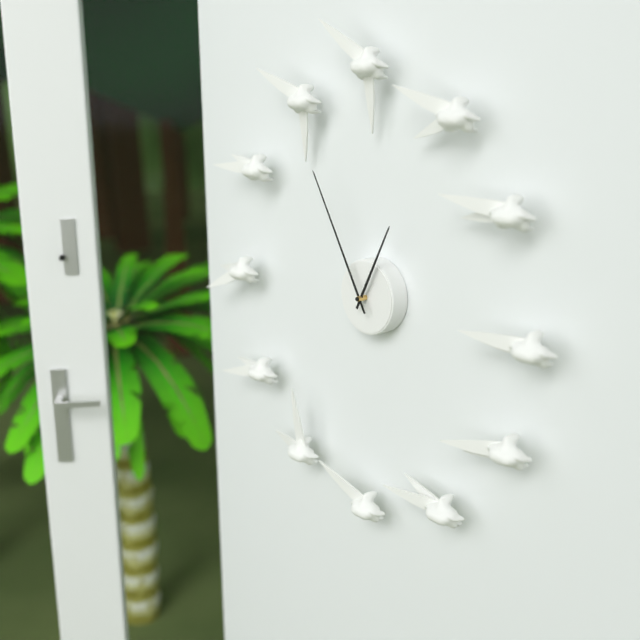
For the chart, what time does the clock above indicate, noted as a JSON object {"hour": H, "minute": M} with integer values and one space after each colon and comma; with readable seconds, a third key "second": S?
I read {"hour": 12, "minute": 55}
